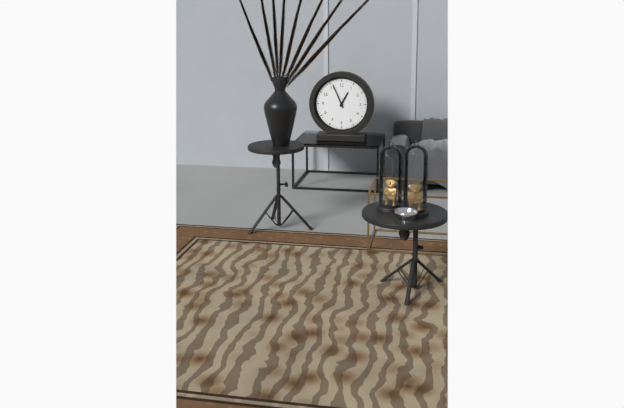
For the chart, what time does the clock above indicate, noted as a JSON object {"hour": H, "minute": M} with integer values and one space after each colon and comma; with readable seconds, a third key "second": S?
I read {"hour": 12, "minute": 56}
